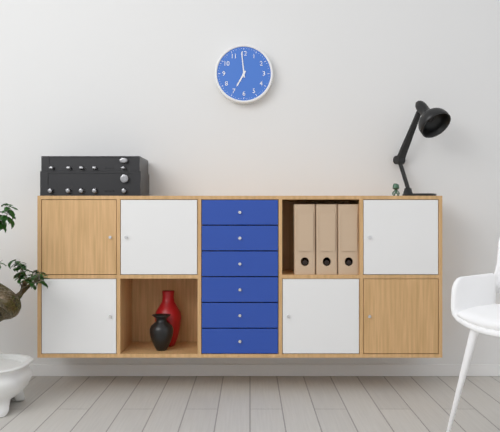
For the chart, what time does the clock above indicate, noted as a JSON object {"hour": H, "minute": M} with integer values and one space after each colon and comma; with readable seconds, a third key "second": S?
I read {"hour": 6, "minute": 59}
